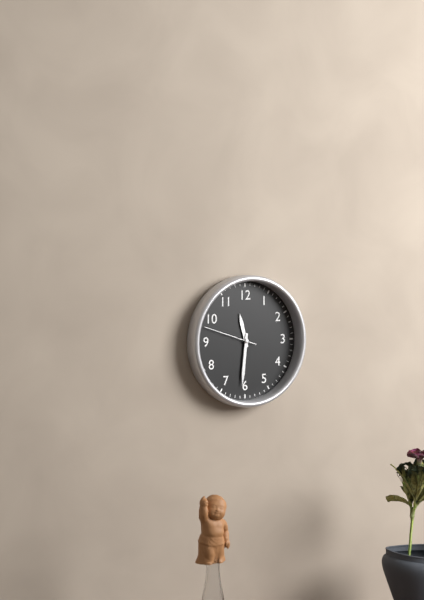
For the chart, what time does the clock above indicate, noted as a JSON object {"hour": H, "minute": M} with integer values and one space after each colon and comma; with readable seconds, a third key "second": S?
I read {"hour": 11, "minute": 31, "second": 48}
